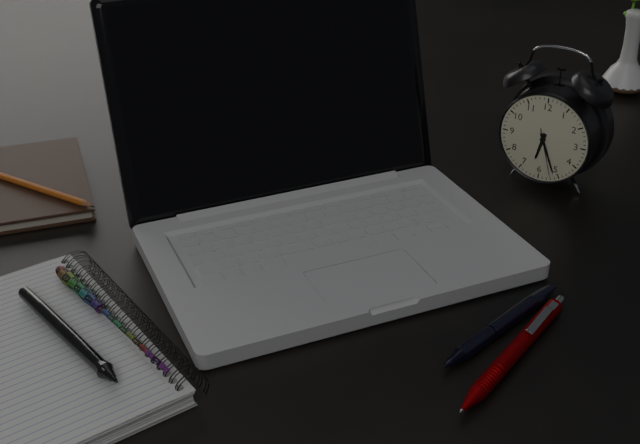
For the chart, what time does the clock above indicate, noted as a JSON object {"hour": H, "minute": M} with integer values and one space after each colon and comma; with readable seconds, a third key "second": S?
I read {"hour": 6, "minute": 26, "second": 27}
